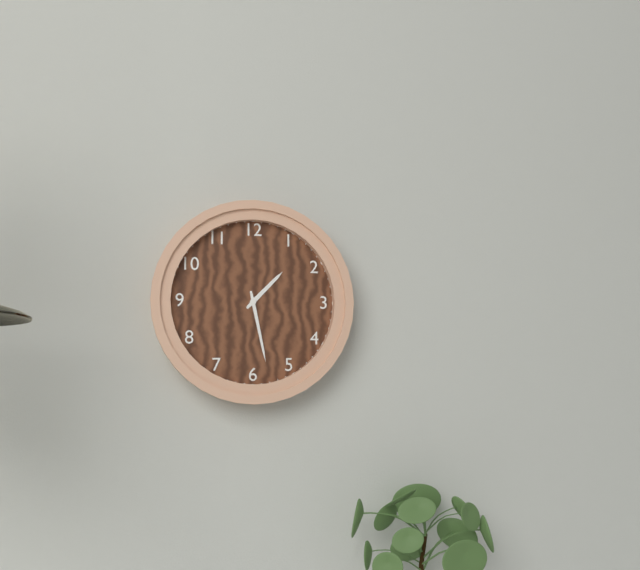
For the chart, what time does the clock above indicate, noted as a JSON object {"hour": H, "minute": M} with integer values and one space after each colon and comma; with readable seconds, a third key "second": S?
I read {"hour": 1, "minute": 28}
